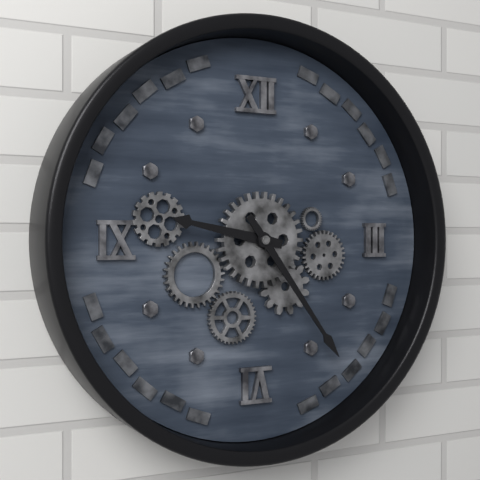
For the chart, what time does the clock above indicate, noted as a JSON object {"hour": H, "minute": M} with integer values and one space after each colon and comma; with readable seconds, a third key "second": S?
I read {"hour": 9, "minute": 24}
